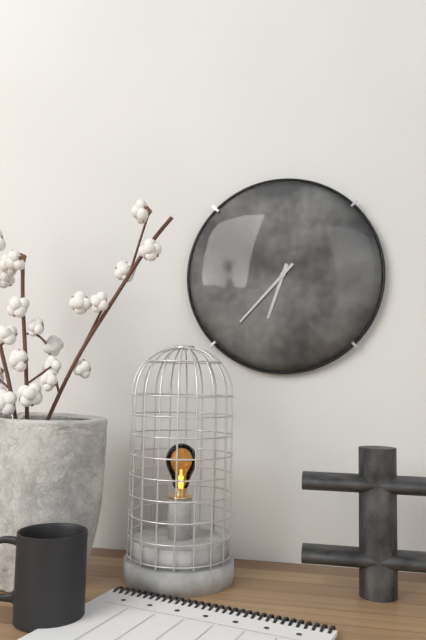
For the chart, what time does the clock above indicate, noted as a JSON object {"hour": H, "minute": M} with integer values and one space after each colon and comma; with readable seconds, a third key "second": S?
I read {"hour": 6, "minute": 37}
